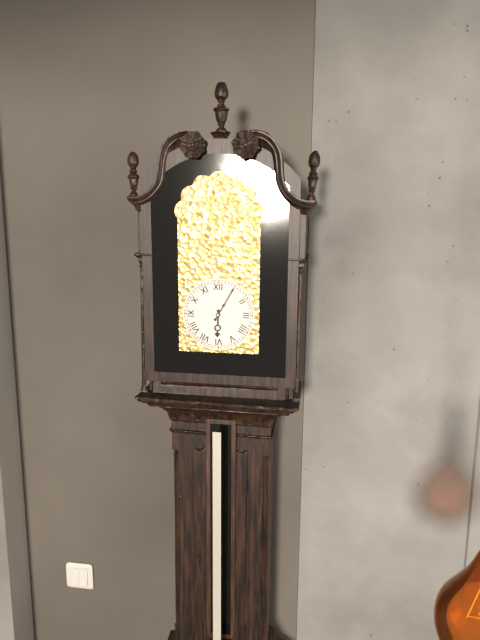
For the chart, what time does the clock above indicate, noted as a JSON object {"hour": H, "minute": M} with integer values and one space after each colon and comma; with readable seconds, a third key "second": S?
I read {"hour": 6, "minute": 5}
